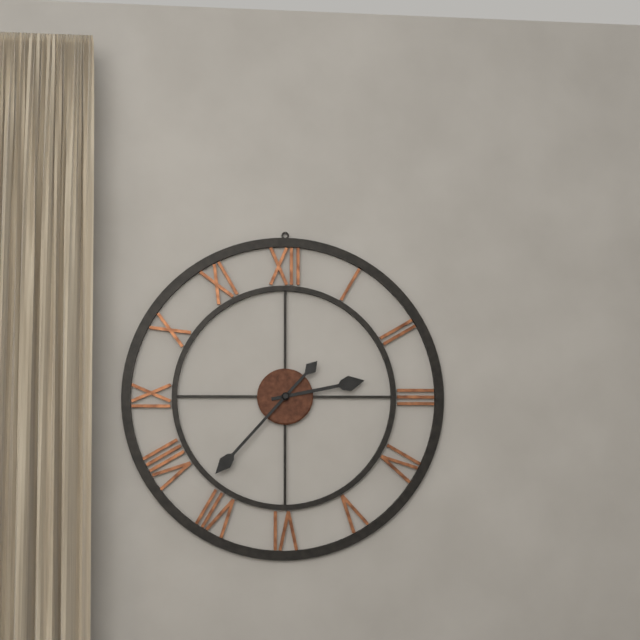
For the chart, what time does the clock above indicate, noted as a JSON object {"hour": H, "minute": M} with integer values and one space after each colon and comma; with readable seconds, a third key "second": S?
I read {"hour": 2, "minute": 37}
